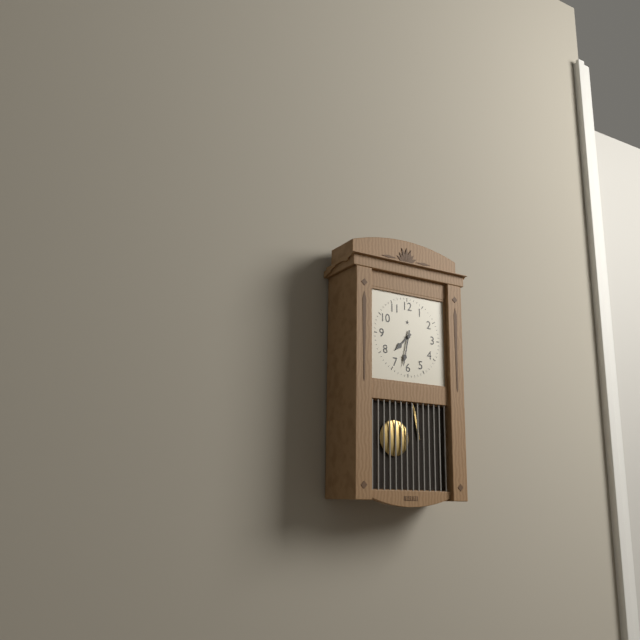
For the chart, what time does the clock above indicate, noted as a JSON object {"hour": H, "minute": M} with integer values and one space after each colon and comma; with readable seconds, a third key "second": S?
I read {"hour": 7, "minute": 32}
